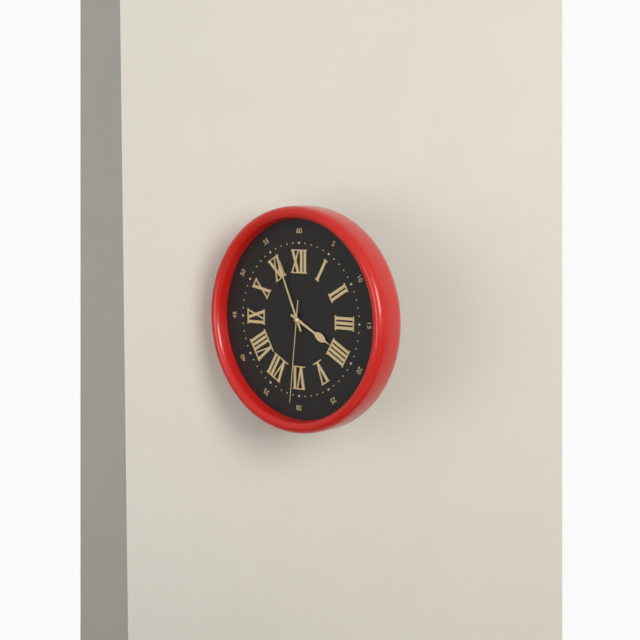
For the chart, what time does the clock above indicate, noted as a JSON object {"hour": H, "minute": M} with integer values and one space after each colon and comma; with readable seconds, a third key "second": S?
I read {"hour": 3, "minute": 56, "second": 31}
